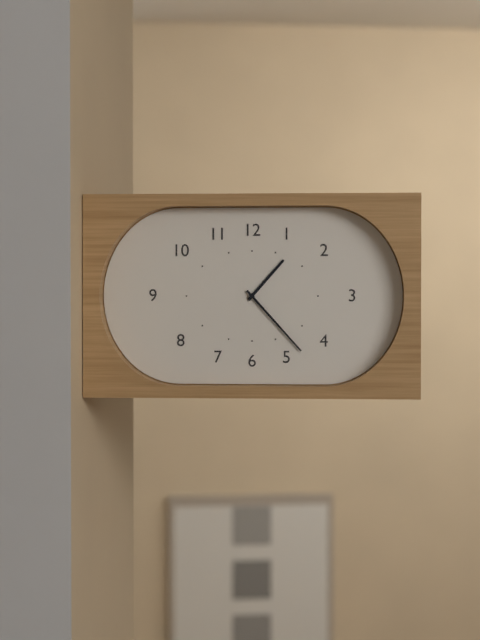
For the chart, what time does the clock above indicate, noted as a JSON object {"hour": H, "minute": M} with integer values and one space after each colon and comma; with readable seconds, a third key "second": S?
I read {"hour": 1, "minute": 23}
